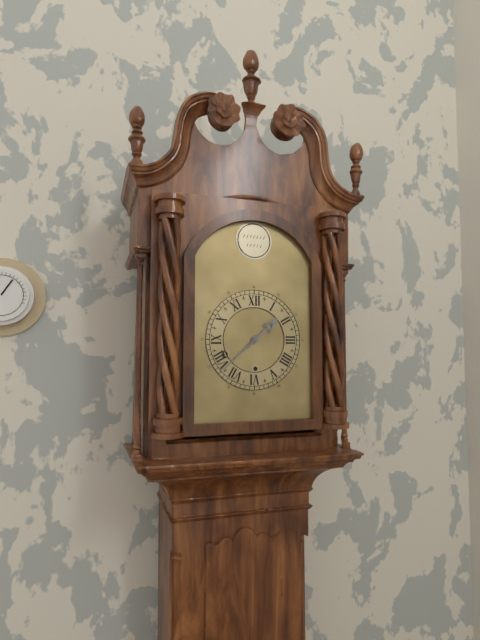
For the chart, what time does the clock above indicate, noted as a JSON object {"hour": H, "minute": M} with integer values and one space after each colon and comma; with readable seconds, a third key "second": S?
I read {"hour": 1, "minute": 38}
